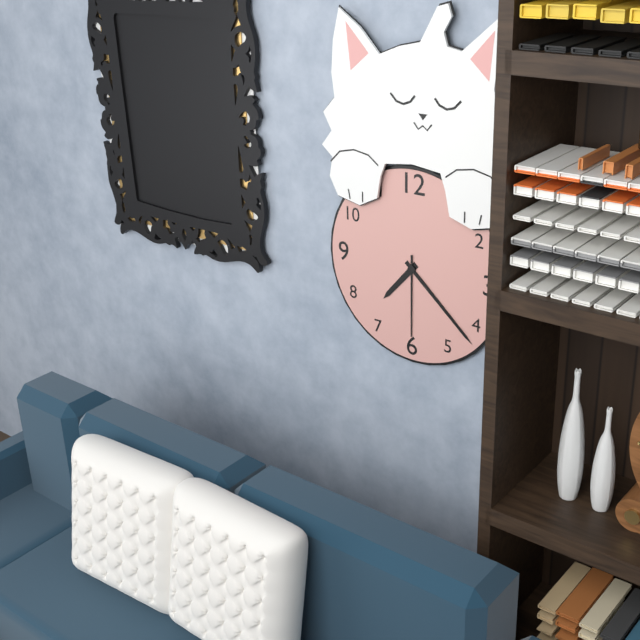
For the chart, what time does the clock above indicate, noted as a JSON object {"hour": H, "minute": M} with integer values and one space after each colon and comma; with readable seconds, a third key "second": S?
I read {"hour": 7, "minute": 22, "second": 30}
